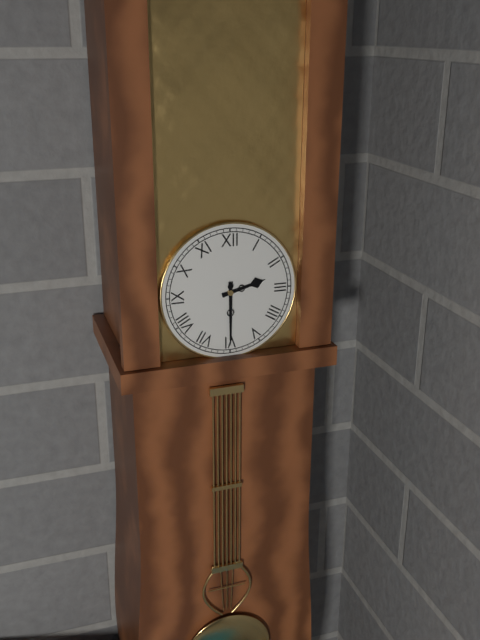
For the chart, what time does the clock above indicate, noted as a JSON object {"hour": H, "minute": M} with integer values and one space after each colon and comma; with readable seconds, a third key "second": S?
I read {"hour": 2, "minute": 30}
